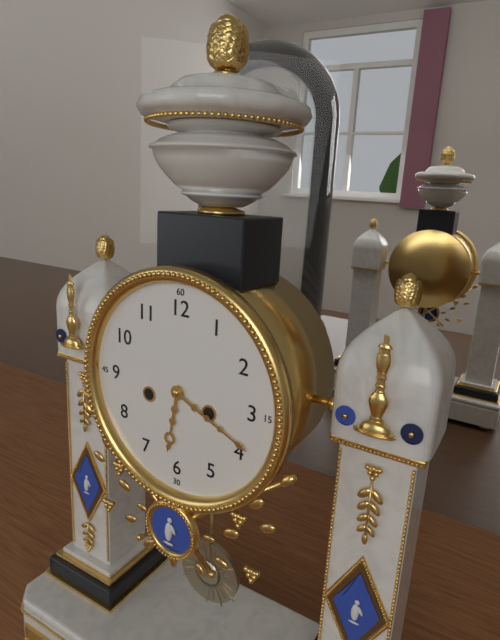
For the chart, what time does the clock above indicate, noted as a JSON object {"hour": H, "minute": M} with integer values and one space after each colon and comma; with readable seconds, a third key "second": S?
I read {"hour": 6, "minute": 19}
